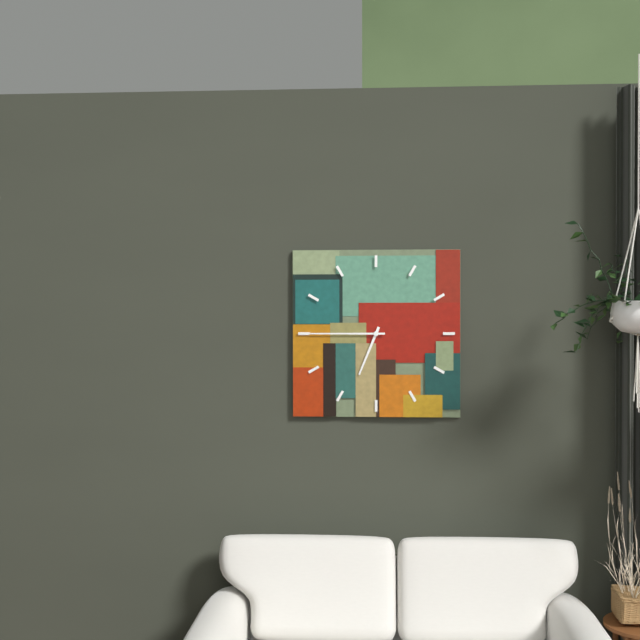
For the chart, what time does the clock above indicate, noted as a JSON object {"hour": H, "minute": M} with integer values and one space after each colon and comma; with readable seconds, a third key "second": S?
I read {"hour": 6, "minute": 45}
